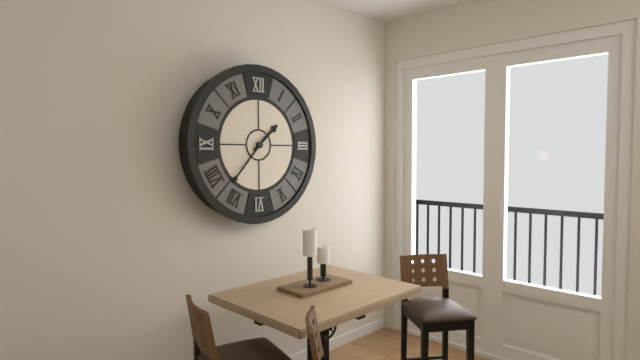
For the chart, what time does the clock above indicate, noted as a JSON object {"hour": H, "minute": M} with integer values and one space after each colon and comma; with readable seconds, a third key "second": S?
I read {"hour": 1, "minute": 37}
